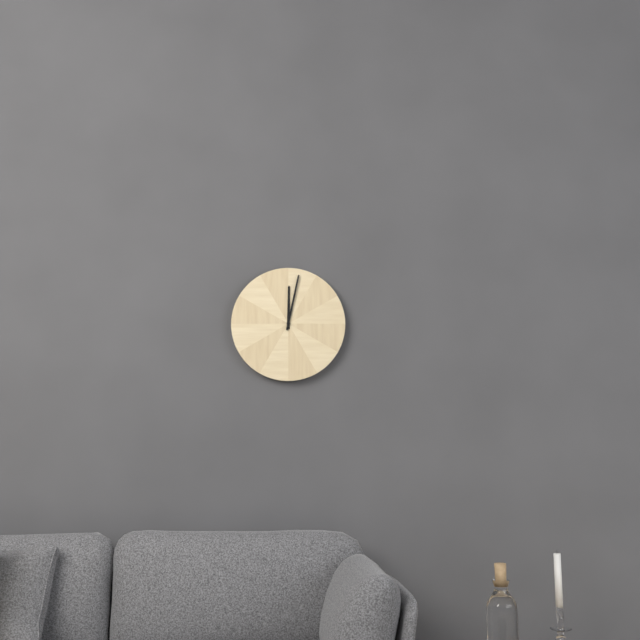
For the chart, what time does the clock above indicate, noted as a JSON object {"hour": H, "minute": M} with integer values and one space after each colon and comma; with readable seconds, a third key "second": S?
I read {"hour": 12, "minute": 2}
